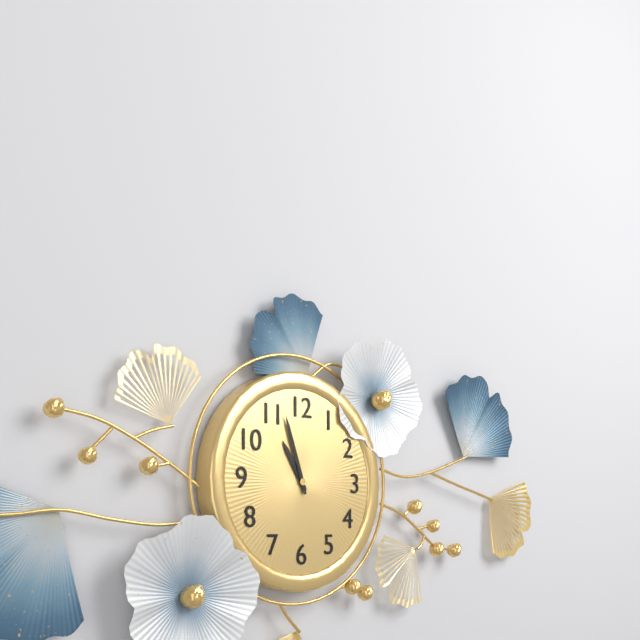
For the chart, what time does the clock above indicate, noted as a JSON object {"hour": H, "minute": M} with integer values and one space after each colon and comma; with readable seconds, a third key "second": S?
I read {"hour": 10, "minute": 57}
